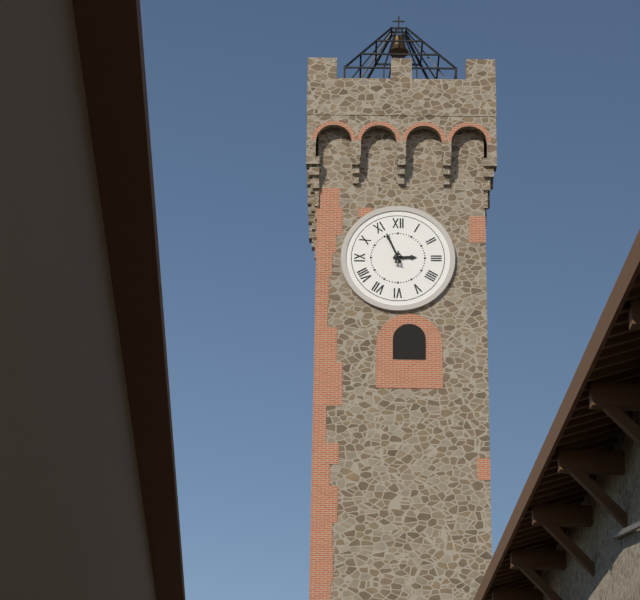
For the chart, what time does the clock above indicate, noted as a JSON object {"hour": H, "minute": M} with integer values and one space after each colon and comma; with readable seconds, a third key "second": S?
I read {"hour": 2, "minute": 56}
